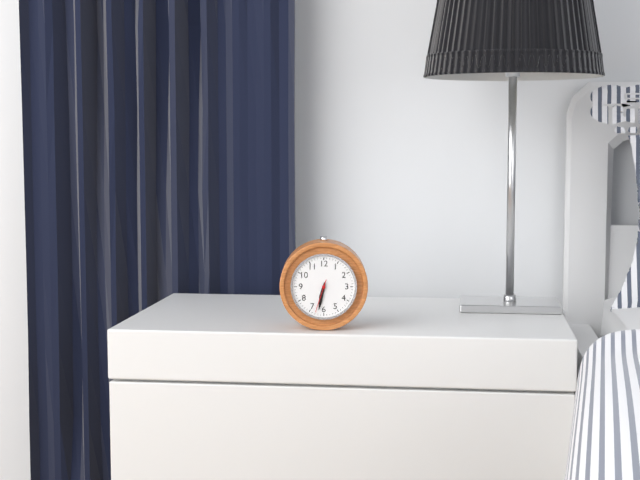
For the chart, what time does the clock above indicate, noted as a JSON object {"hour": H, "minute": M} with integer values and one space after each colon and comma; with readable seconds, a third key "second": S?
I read {"hour": 6, "minute": 32}
